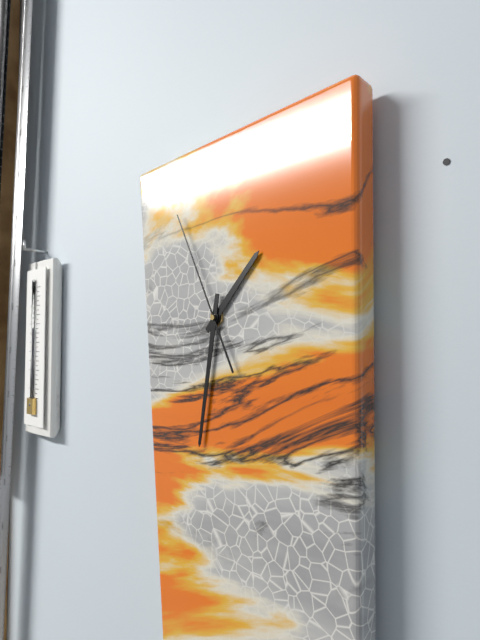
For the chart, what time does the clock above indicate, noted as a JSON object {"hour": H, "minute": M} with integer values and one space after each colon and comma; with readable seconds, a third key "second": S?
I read {"hour": 1, "minute": 32, "second": 56}
